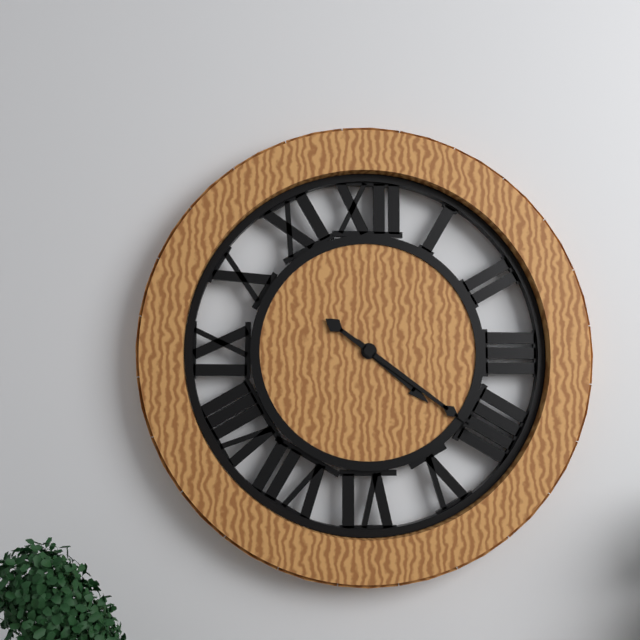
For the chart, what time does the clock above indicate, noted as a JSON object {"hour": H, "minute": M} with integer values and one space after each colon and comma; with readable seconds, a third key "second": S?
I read {"hour": 4, "minute": 21}
